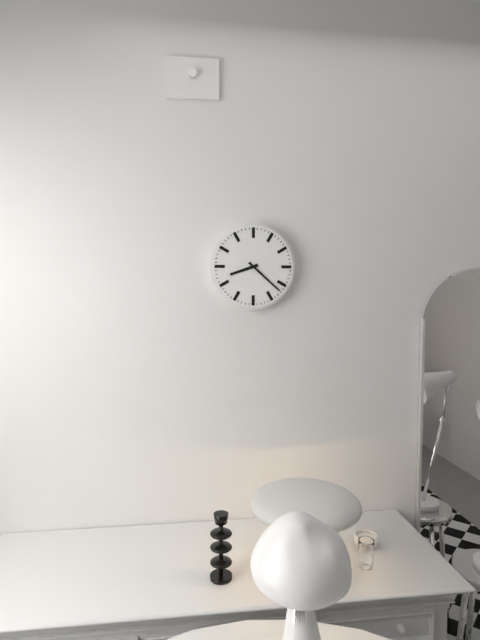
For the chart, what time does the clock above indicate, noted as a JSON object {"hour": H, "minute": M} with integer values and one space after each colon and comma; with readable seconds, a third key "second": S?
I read {"hour": 8, "minute": 22}
